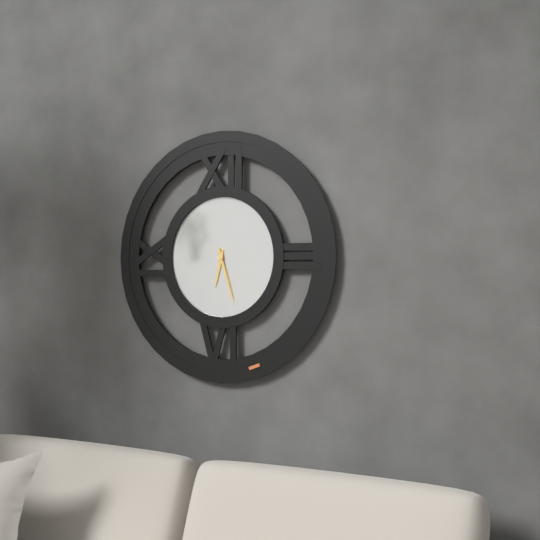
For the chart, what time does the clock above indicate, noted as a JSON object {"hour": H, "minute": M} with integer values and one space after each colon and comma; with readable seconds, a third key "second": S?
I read {"hour": 6, "minute": 27}
